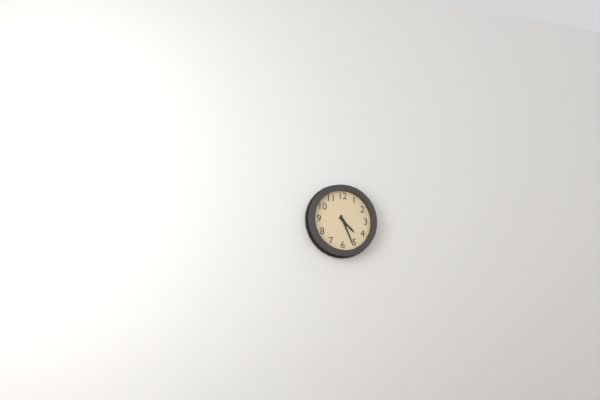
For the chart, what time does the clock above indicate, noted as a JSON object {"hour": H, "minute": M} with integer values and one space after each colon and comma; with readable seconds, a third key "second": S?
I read {"hour": 4, "minute": 26}
